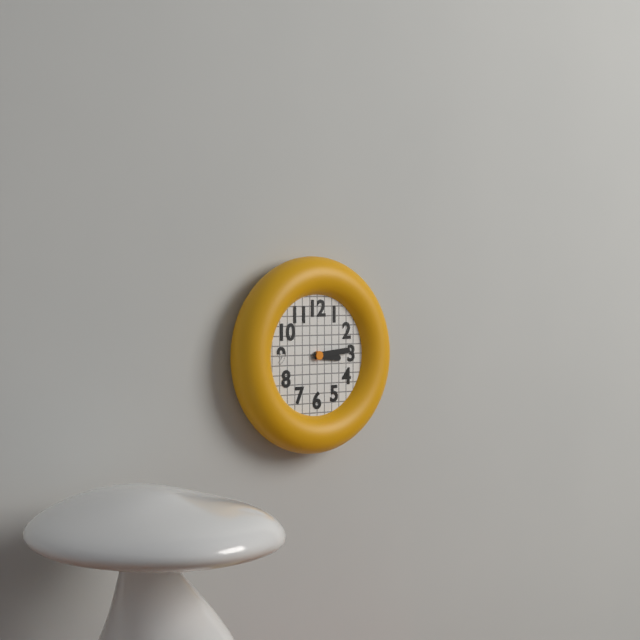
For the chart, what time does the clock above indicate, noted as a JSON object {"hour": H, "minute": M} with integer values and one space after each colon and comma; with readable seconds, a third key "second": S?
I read {"hour": 3, "minute": 14}
